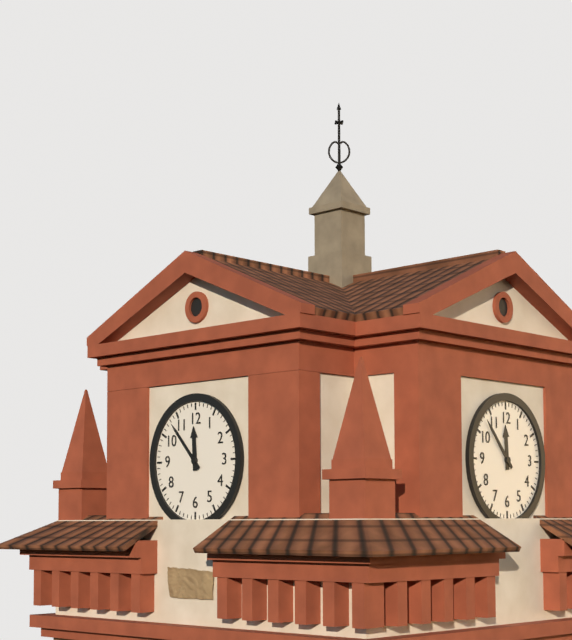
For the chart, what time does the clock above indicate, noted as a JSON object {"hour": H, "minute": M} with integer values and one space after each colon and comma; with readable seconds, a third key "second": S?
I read {"hour": 11, "minute": 53}
